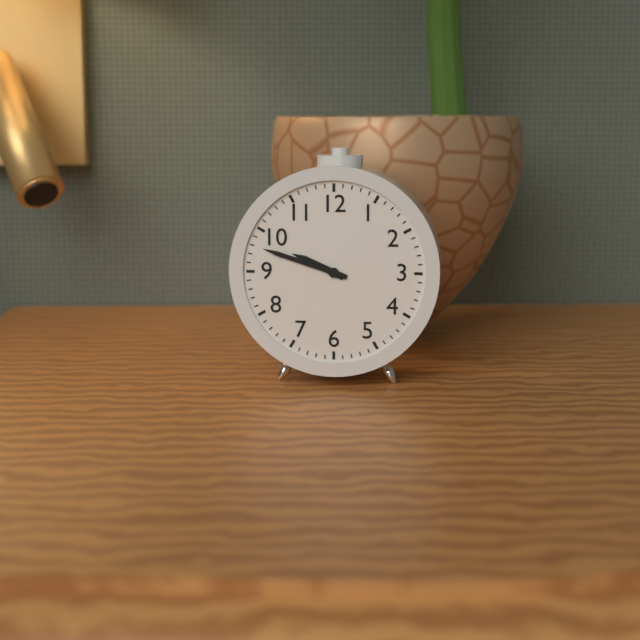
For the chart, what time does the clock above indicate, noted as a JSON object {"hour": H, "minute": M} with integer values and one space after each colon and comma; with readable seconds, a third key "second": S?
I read {"hour": 9, "minute": 48}
